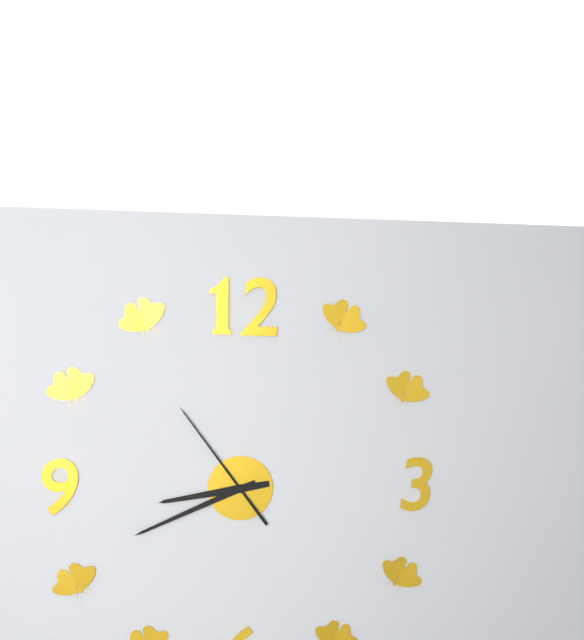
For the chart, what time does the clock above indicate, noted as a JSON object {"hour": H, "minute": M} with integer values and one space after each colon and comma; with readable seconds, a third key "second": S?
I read {"hour": 8, "minute": 41, "second": 54}
